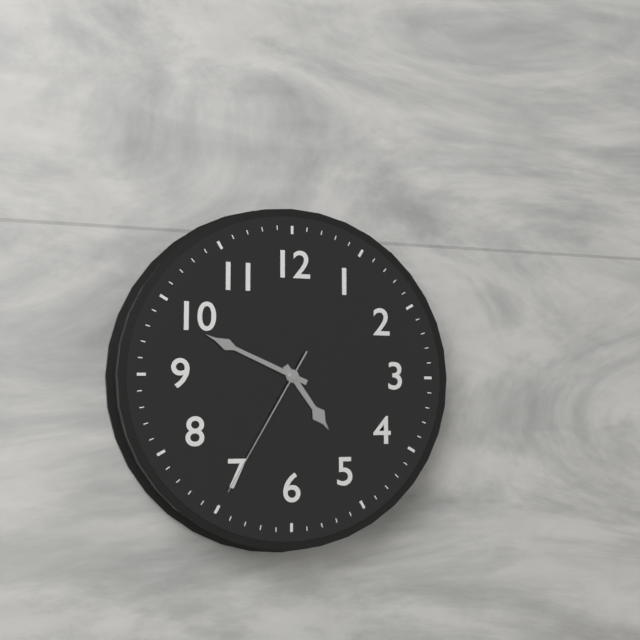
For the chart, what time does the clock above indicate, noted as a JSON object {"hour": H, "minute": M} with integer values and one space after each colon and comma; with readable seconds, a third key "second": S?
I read {"hour": 4, "minute": 49, "second": 35}
